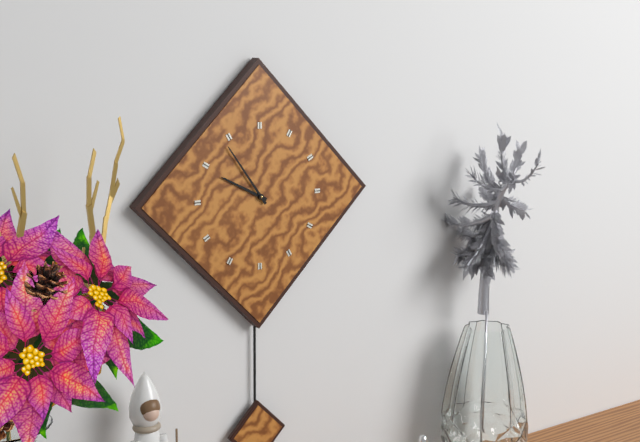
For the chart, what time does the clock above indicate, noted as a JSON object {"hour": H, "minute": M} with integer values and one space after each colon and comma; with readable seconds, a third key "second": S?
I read {"hour": 9, "minute": 54}
